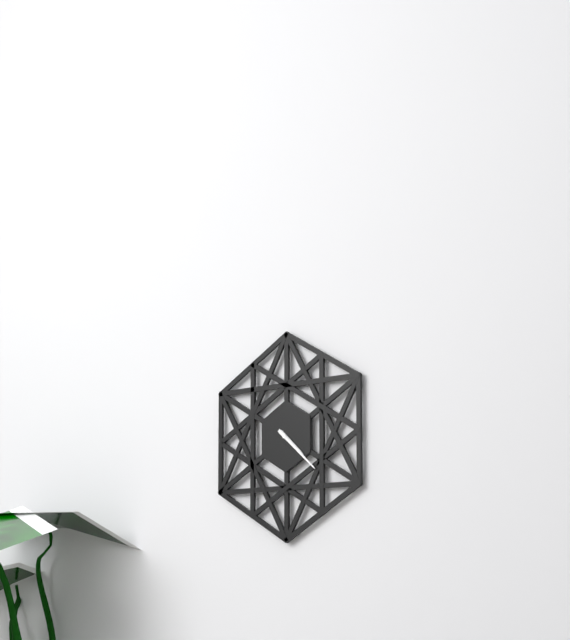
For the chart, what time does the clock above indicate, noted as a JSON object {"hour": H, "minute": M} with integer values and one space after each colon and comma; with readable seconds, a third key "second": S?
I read {"hour": 4, "minute": 22}
